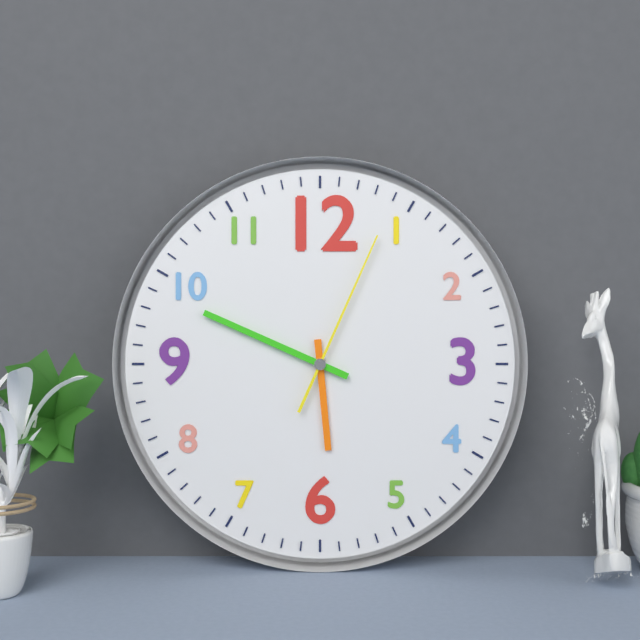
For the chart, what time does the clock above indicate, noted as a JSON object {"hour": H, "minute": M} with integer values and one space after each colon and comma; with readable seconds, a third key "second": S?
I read {"hour": 5, "minute": 49, "second": 4}
